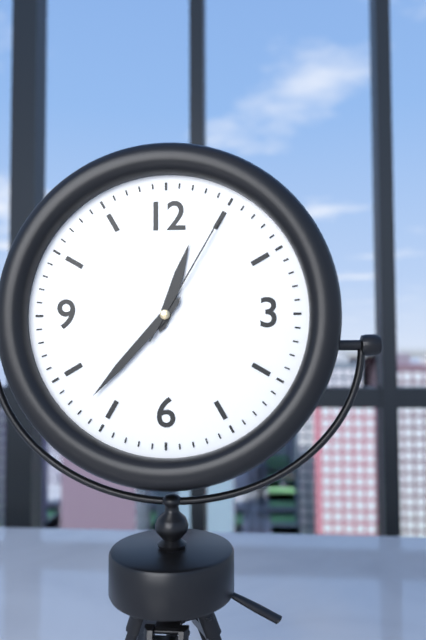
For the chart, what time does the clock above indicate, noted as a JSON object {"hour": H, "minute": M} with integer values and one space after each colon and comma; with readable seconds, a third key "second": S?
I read {"hour": 12, "minute": 37, "second": 5}
